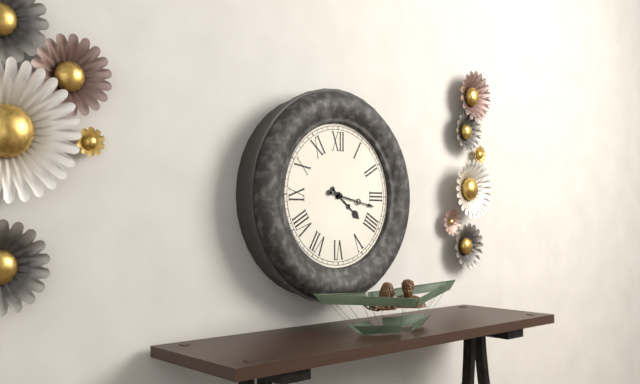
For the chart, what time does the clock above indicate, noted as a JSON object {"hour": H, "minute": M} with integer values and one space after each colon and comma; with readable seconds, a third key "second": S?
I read {"hour": 4, "minute": 17}
